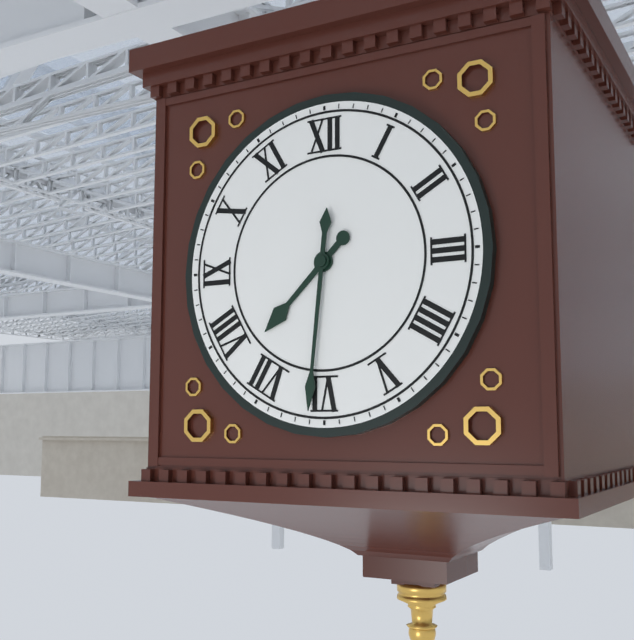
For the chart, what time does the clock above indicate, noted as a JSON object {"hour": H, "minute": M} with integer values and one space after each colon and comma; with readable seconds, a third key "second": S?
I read {"hour": 7, "minute": 31}
